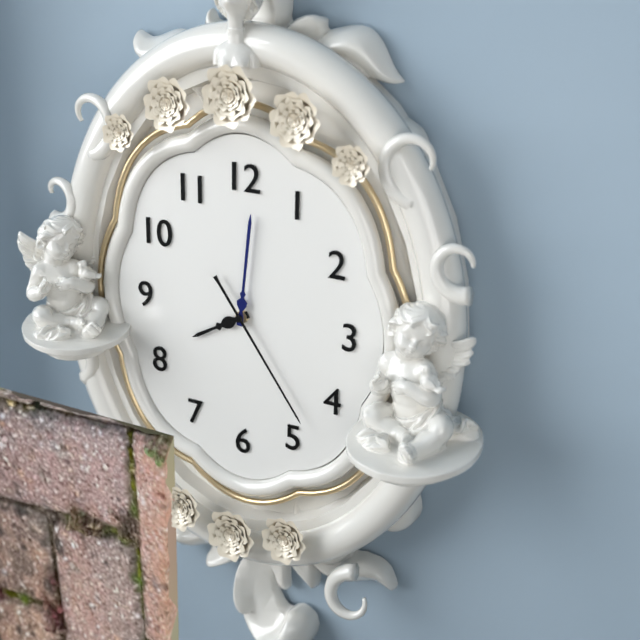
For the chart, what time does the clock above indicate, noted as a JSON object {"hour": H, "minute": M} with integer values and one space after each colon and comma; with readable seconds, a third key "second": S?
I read {"hour": 8, "minute": 1, "second": 24}
